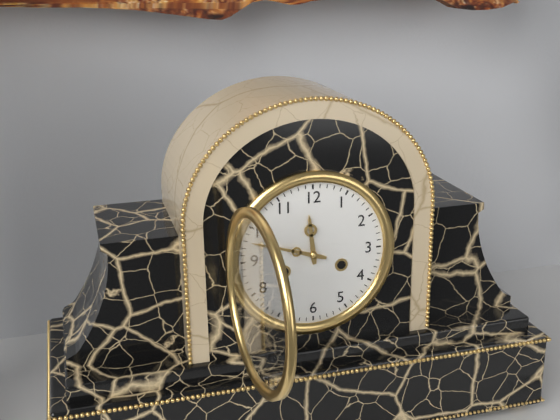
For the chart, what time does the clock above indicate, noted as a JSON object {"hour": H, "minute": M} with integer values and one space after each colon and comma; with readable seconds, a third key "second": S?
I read {"hour": 11, "minute": 48}
